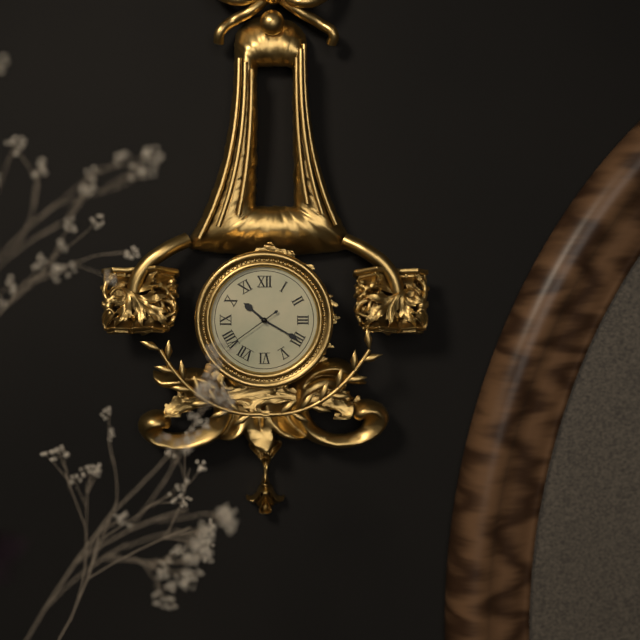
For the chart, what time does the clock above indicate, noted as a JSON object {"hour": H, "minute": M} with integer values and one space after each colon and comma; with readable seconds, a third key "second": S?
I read {"hour": 10, "minute": 20, "second": 39}
